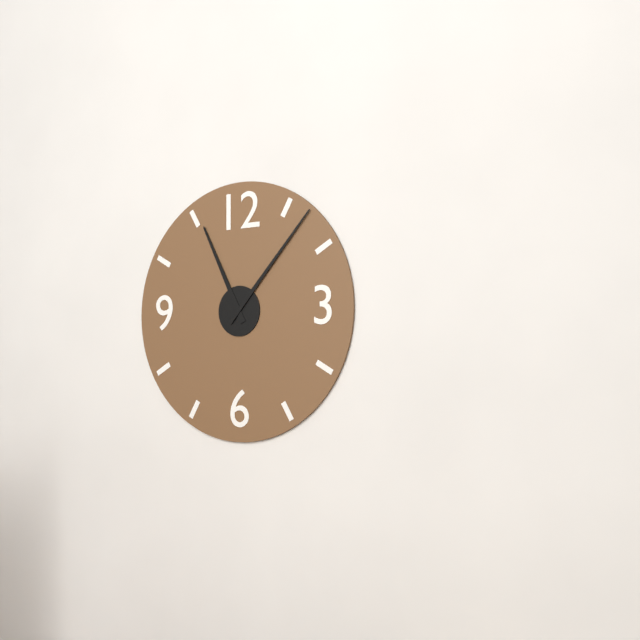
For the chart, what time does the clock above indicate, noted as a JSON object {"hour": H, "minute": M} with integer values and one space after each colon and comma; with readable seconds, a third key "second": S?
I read {"hour": 11, "minute": 7}
